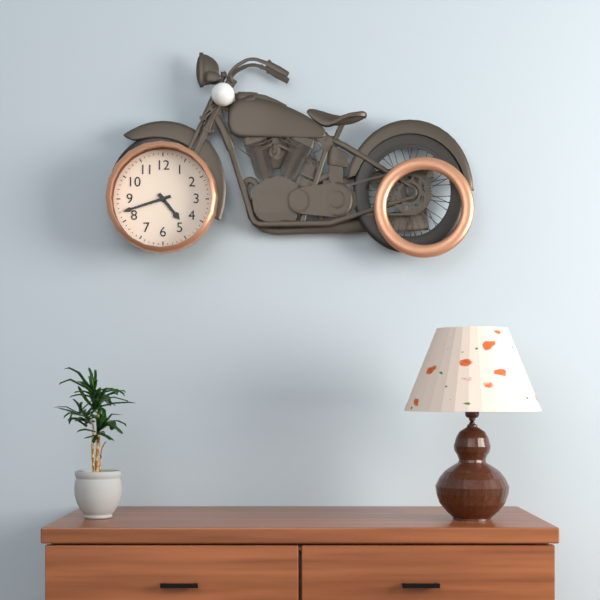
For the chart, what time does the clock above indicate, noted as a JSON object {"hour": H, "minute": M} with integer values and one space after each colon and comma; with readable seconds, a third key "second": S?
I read {"hour": 4, "minute": 42}
